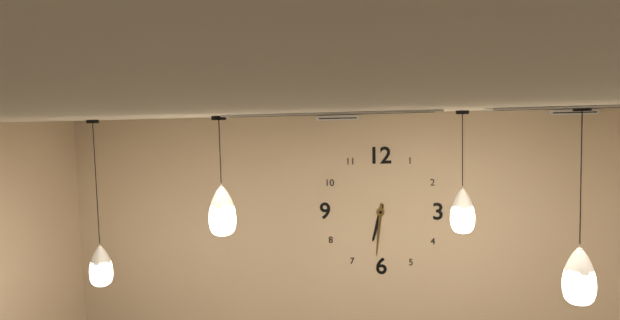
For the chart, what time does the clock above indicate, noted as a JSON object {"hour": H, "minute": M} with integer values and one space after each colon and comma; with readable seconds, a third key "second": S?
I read {"hour": 6, "minute": 31}
